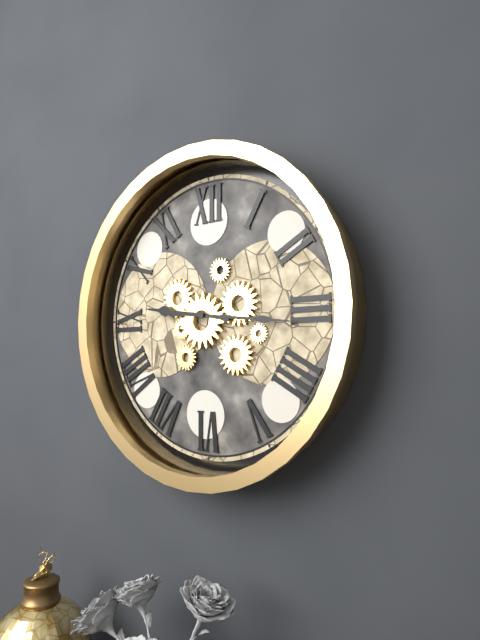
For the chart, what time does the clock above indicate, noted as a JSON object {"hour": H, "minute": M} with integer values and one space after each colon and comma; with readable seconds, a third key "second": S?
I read {"hour": 9, "minute": 16}
